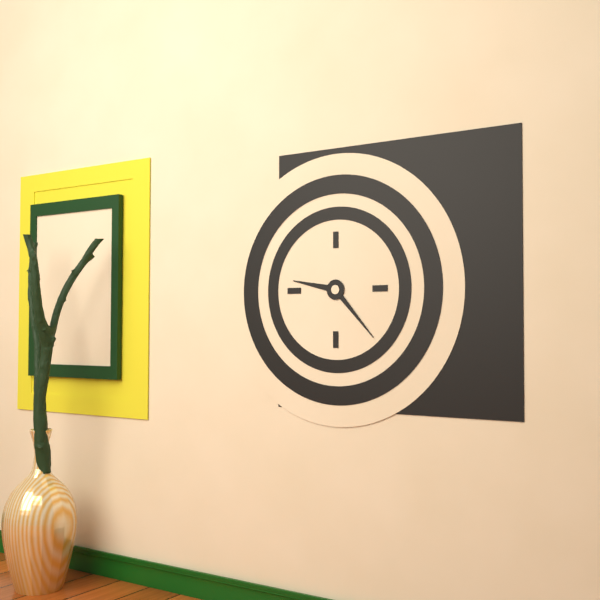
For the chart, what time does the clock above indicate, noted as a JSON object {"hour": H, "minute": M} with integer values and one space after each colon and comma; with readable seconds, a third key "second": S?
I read {"hour": 9, "minute": 23}
